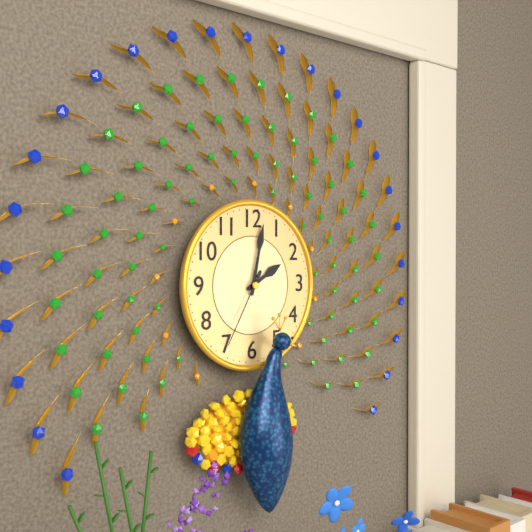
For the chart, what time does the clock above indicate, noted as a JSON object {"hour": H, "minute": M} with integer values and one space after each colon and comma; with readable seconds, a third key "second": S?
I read {"hour": 2, "minute": 2, "second": 35}
